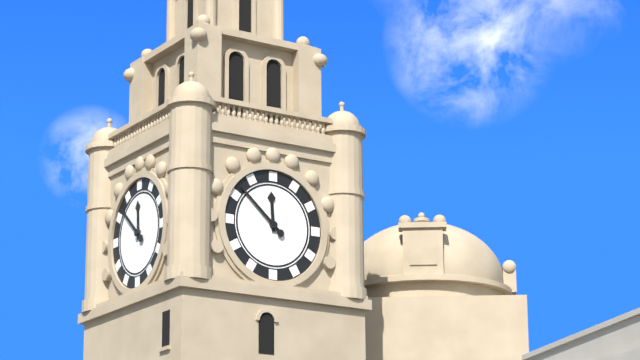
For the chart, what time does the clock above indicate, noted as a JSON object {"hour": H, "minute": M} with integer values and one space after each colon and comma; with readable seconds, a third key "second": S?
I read {"hour": 11, "minute": 52}
